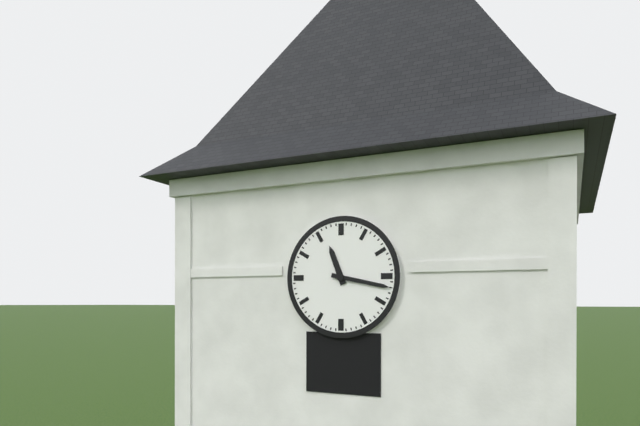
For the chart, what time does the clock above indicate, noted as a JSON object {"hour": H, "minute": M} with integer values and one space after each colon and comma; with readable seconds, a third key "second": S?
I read {"hour": 11, "minute": 17}
